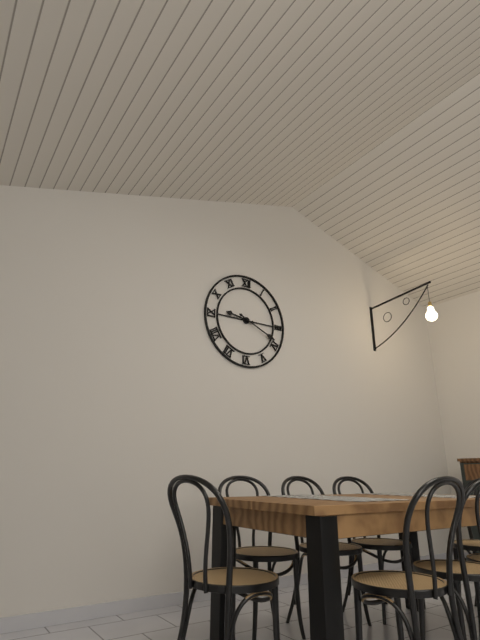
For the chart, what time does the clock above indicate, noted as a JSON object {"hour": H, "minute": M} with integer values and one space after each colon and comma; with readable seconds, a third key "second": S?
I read {"hour": 9, "minute": 19}
